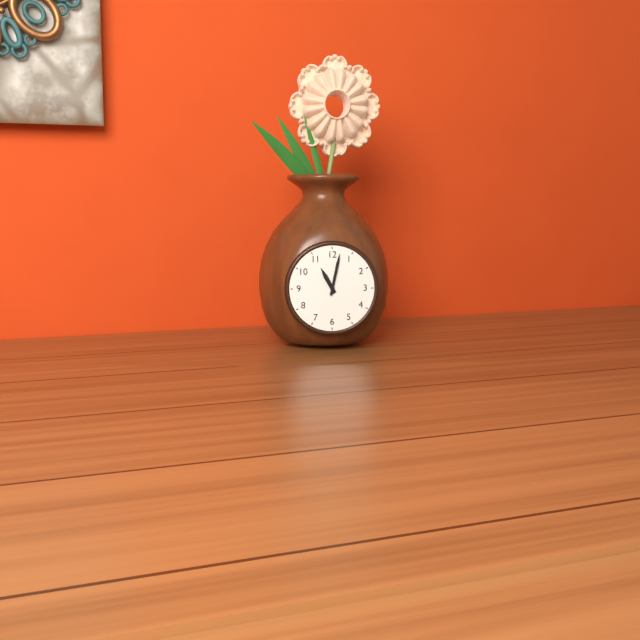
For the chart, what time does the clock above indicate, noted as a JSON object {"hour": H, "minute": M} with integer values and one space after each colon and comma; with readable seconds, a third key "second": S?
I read {"hour": 11, "minute": 2}
